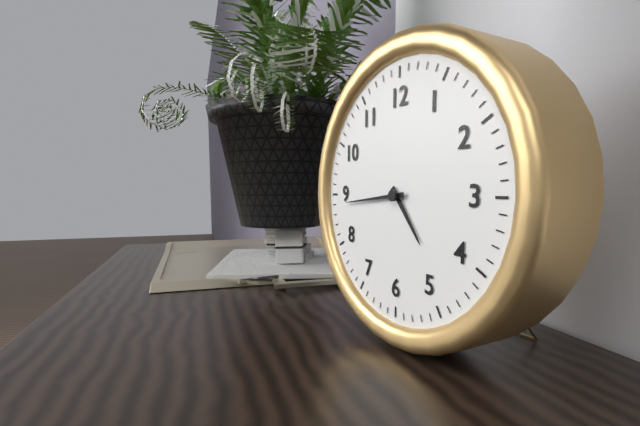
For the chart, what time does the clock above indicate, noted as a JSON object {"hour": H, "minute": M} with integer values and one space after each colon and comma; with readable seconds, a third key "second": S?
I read {"hour": 4, "minute": 44}
